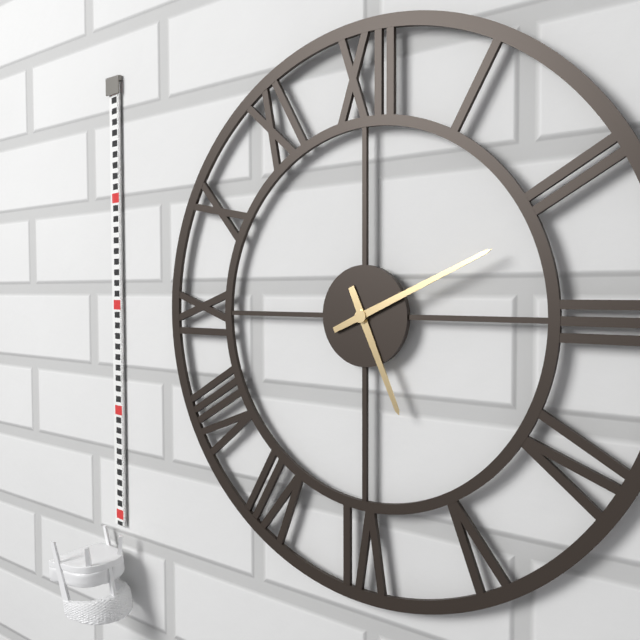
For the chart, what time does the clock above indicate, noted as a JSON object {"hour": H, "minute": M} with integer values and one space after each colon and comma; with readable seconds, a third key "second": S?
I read {"hour": 5, "minute": 11}
